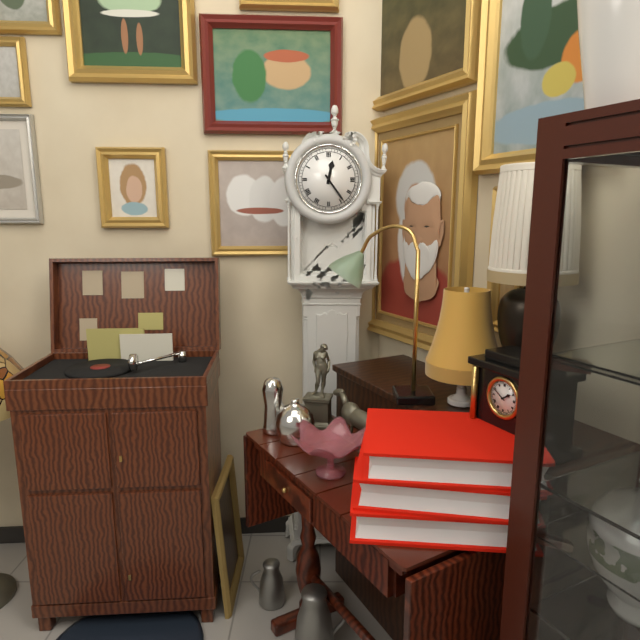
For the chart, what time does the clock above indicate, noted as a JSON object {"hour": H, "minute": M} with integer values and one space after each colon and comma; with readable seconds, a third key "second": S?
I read {"hour": 12, "minute": 24}
